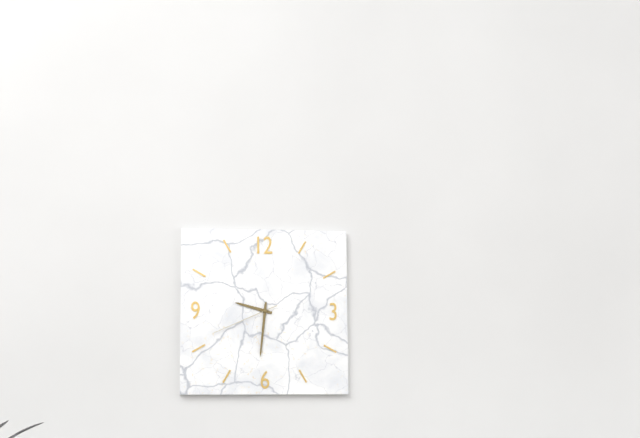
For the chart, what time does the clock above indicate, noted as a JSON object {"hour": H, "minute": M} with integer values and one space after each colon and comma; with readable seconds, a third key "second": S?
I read {"hour": 9, "minute": 31, "second": 41}
